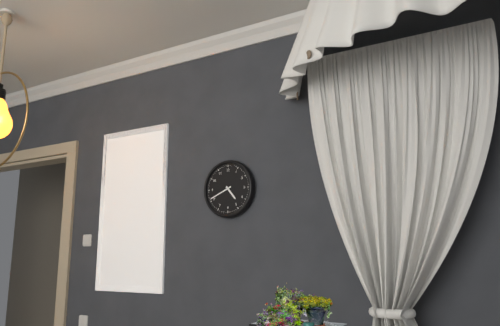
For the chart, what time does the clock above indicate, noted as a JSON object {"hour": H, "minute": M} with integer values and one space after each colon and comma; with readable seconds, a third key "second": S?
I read {"hour": 4, "minute": 41}
